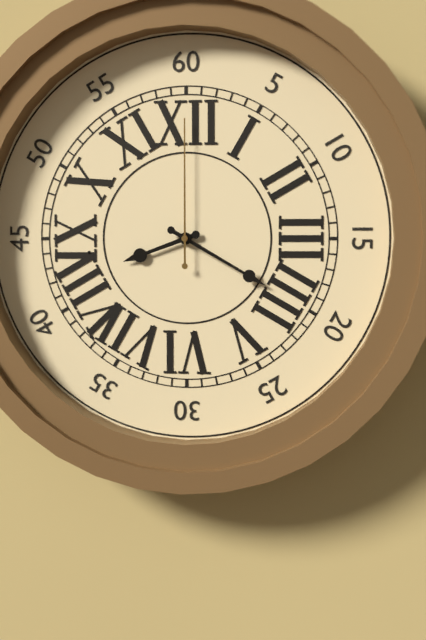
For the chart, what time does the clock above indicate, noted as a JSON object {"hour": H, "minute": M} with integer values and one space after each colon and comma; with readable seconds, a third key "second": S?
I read {"hour": 8, "minute": 20, "second": 0}
